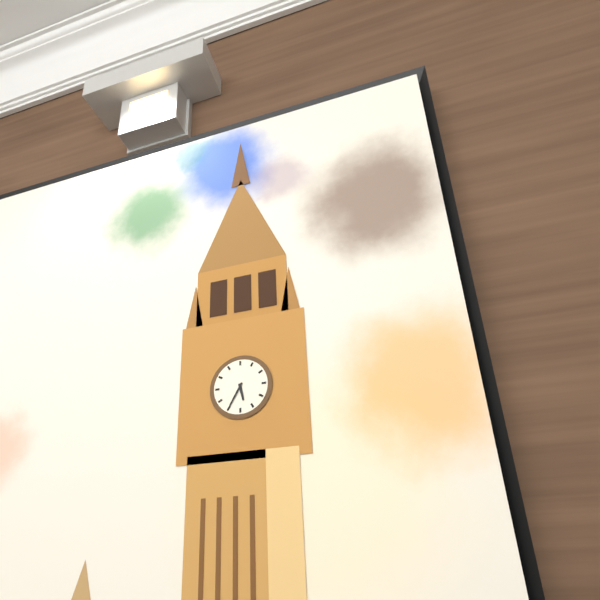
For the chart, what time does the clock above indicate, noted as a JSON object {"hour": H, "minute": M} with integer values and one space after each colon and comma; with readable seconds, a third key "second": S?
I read {"hour": 5, "minute": 35}
